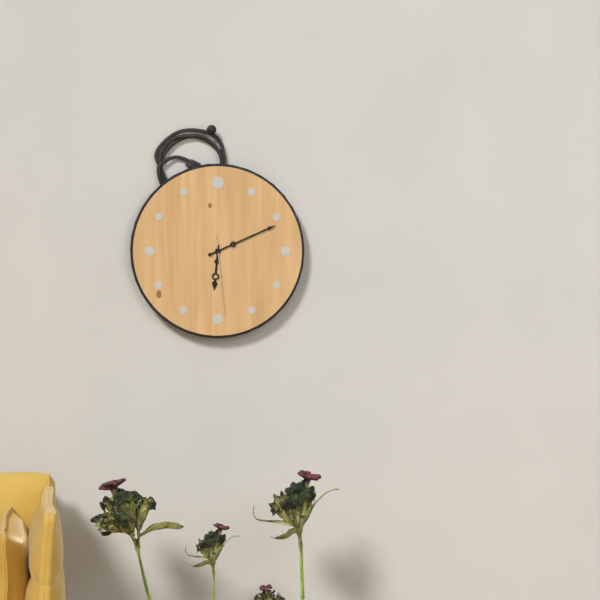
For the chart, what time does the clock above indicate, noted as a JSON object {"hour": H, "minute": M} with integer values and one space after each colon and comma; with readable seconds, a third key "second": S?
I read {"hour": 6, "minute": 11, "second": 29}
